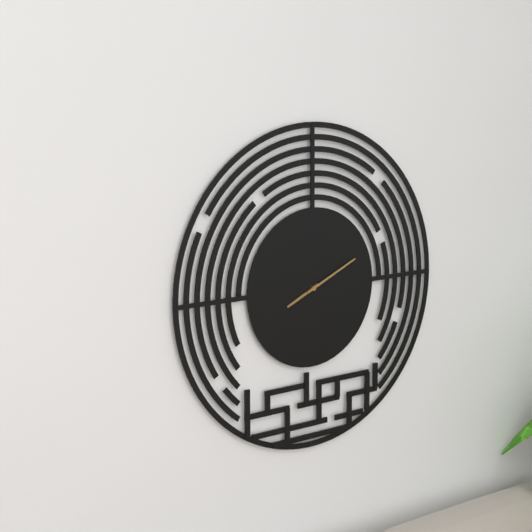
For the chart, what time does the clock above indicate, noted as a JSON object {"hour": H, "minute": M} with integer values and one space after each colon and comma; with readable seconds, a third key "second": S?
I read {"hour": 8, "minute": 11}
